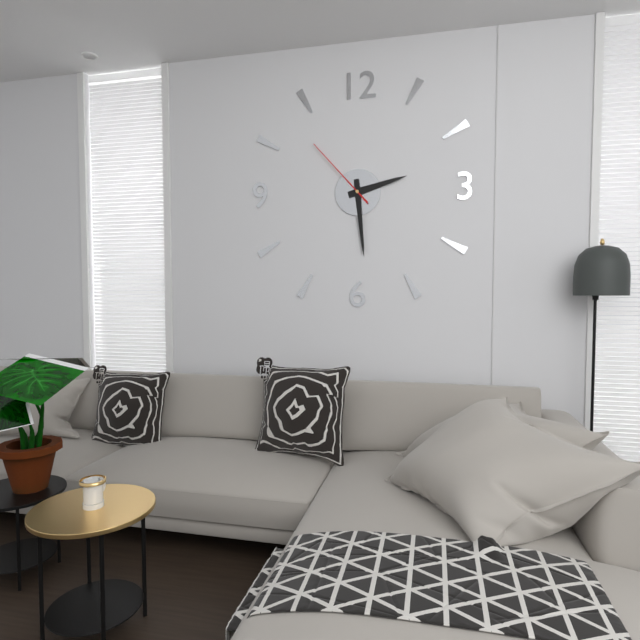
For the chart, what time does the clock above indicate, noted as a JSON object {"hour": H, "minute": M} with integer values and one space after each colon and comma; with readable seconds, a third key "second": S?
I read {"hour": 2, "minute": 29, "second": 53}
